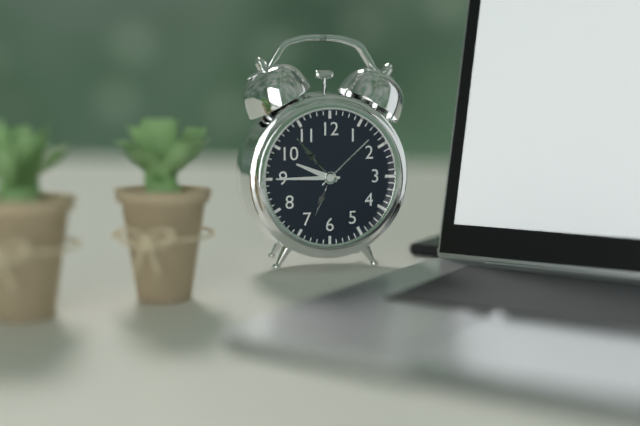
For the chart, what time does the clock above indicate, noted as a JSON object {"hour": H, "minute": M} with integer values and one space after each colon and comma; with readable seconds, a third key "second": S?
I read {"hour": 9, "minute": 45}
